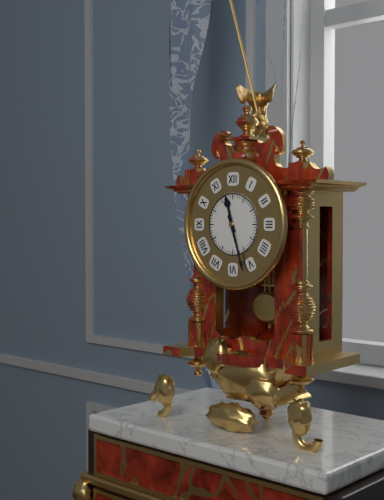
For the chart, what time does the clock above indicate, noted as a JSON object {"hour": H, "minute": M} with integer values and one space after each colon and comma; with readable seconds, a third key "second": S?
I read {"hour": 11, "minute": 27}
